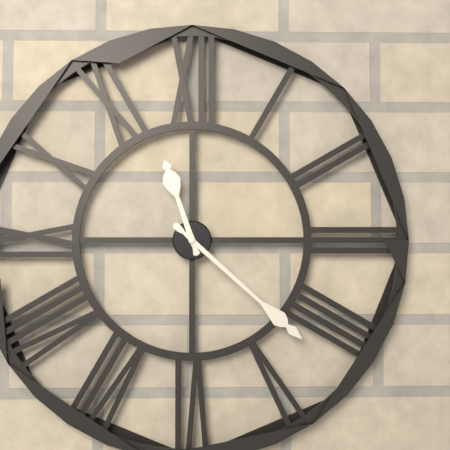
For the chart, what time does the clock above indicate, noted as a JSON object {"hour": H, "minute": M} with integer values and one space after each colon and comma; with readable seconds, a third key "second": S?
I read {"hour": 11, "minute": 22}
